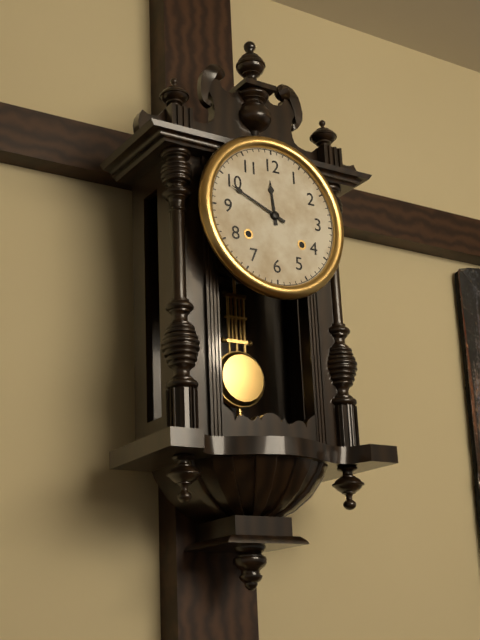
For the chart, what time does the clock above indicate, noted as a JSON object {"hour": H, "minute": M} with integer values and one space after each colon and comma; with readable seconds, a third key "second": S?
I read {"hour": 11, "minute": 49}
